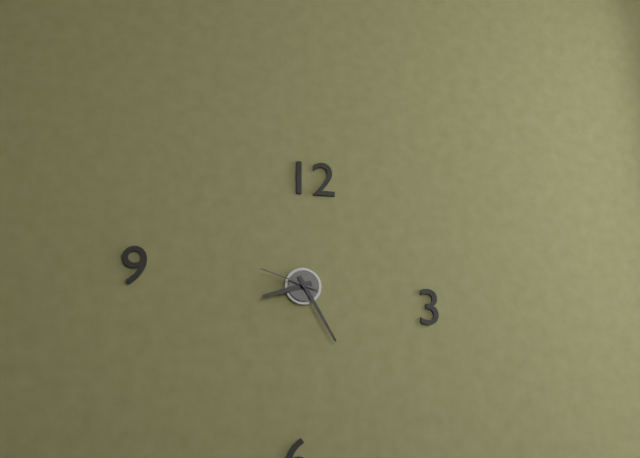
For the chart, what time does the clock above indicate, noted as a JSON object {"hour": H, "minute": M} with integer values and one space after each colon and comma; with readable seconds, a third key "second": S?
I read {"hour": 8, "minute": 25, "second": 48}
